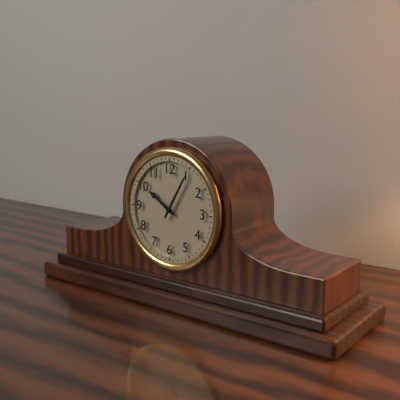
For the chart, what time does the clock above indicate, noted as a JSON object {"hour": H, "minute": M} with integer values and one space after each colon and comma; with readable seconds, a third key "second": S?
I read {"hour": 10, "minute": 5}
